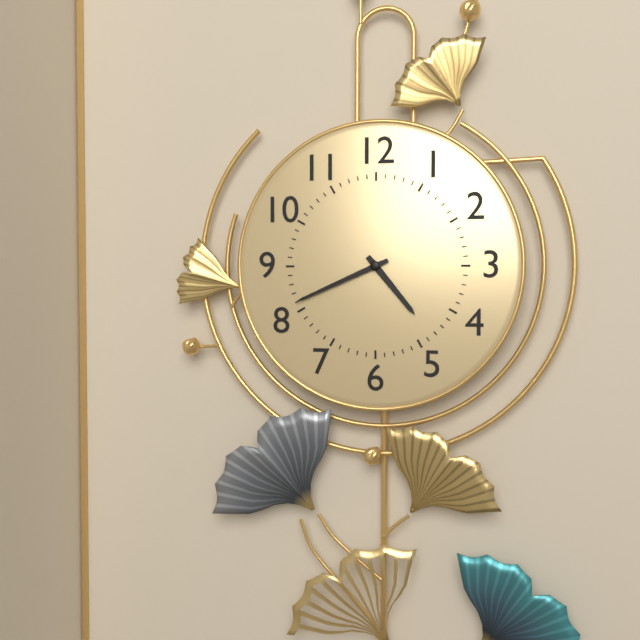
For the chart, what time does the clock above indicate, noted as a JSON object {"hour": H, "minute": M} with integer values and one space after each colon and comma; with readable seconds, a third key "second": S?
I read {"hour": 4, "minute": 41}
